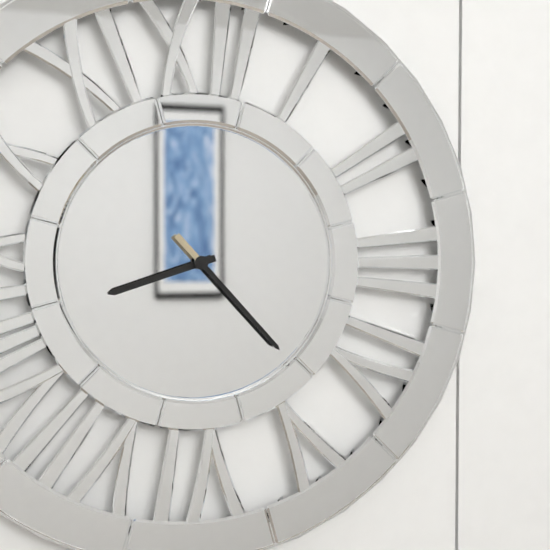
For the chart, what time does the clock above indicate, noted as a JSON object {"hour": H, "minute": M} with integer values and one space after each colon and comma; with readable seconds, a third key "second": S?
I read {"hour": 8, "minute": 23}
